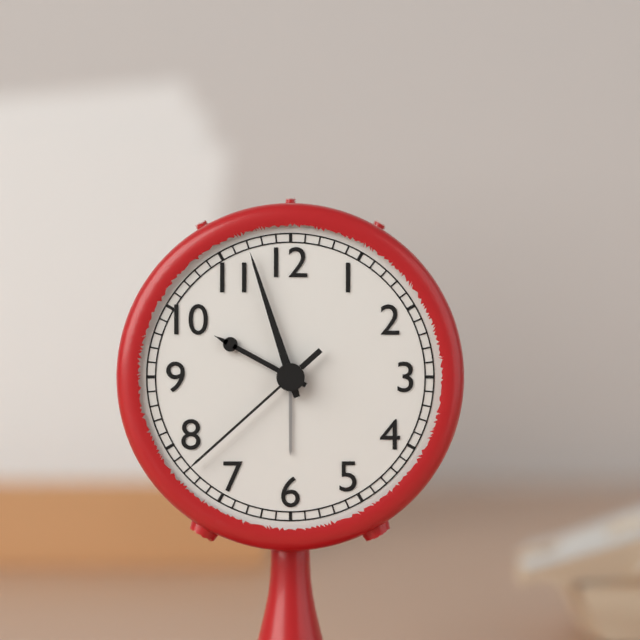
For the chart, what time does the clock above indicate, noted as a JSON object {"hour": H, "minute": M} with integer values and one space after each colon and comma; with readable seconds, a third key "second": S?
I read {"hour": 9, "minute": 57, "second": 38}
